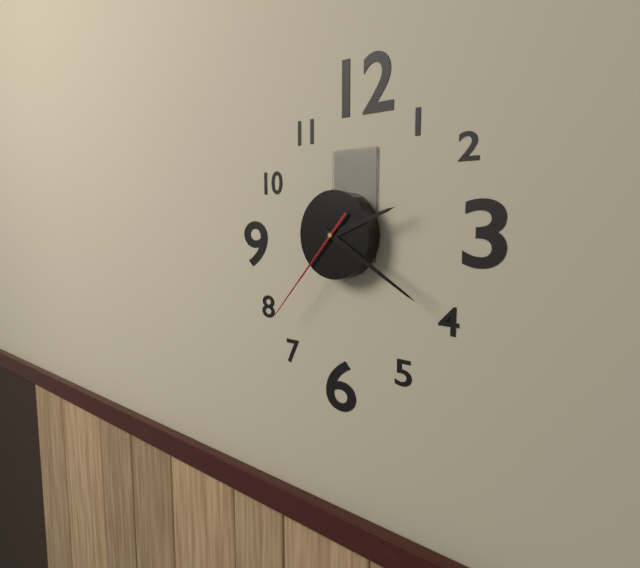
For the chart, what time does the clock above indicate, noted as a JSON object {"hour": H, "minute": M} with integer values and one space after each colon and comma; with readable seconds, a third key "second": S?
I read {"hour": 2, "minute": 20, "second": 37}
